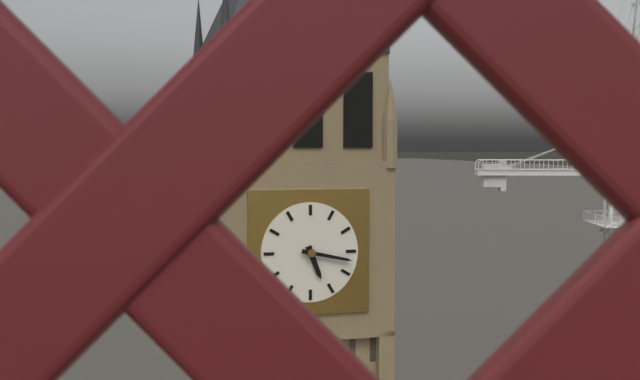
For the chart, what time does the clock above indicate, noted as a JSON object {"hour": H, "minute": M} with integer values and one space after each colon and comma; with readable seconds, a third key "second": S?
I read {"hour": 5, "minute": 17}
